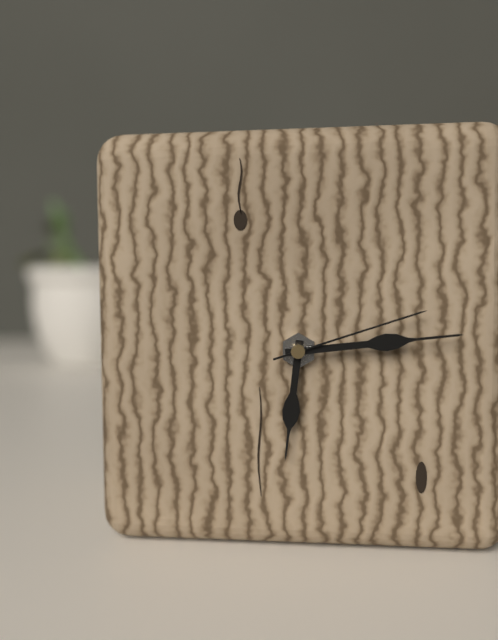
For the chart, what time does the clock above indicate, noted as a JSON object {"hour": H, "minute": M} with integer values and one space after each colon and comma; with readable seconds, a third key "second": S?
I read {"hour": 6, "minute": 14, "second": 12}
